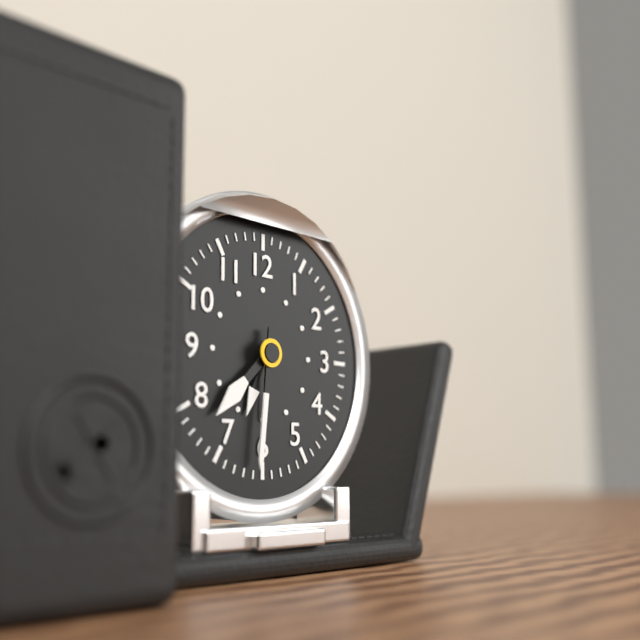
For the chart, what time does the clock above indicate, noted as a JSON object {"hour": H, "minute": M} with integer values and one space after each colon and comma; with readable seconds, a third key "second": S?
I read {"hour": 7, "minute": 31}
